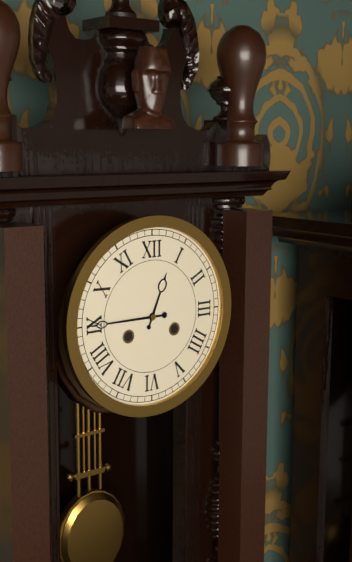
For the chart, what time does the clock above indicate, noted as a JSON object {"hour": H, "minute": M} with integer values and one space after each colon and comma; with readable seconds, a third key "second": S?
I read {"hour": 12, "minute": 45}
